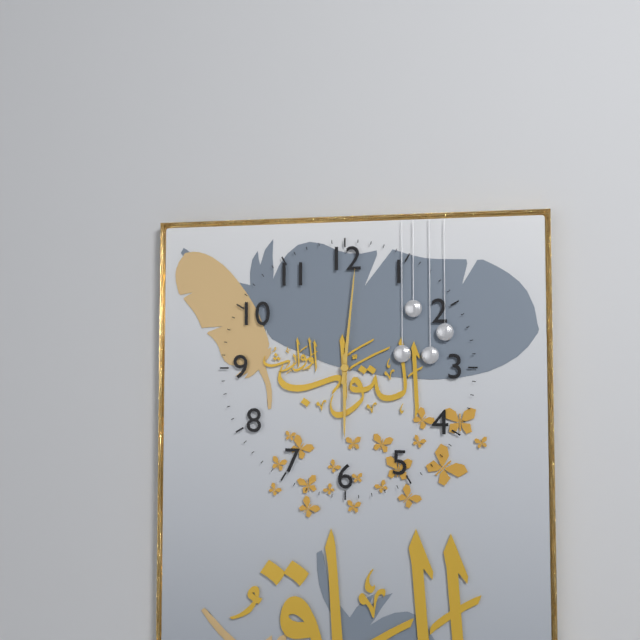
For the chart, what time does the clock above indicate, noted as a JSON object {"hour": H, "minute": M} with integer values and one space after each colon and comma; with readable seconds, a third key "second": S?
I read {"hour": 6, "minute": 1}
